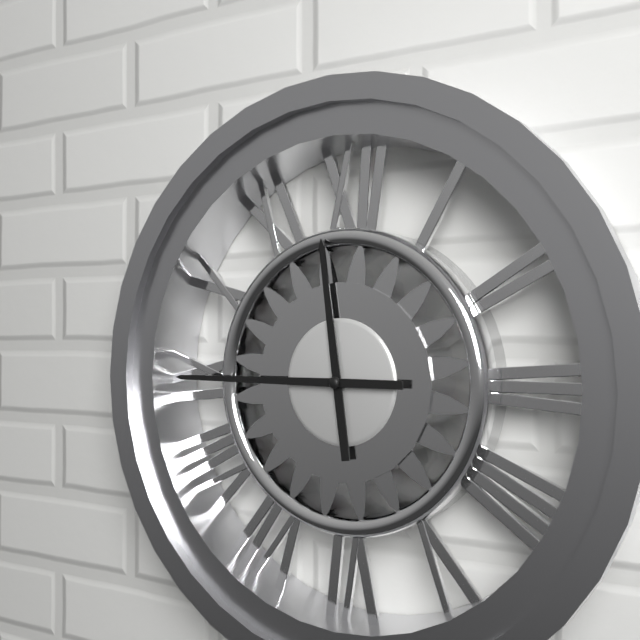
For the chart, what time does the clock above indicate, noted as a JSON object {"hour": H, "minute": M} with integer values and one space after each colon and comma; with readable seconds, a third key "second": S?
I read {"hour": 11, "minute": 45}
